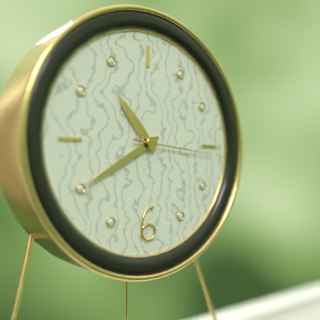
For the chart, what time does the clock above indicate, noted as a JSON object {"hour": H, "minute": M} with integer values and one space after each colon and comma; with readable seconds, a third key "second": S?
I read {"hour": 10, "minute": 40, "second": 16}
